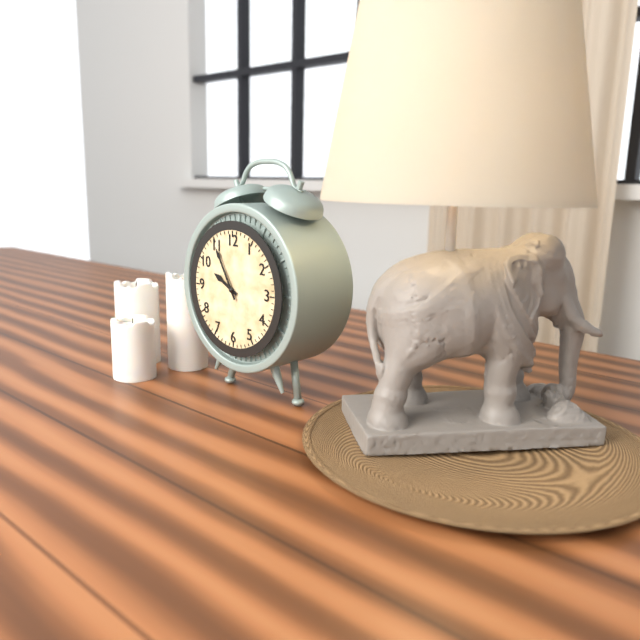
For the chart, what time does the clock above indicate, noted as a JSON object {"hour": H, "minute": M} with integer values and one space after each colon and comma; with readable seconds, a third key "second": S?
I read {"hour": 9, "minute": 55}
